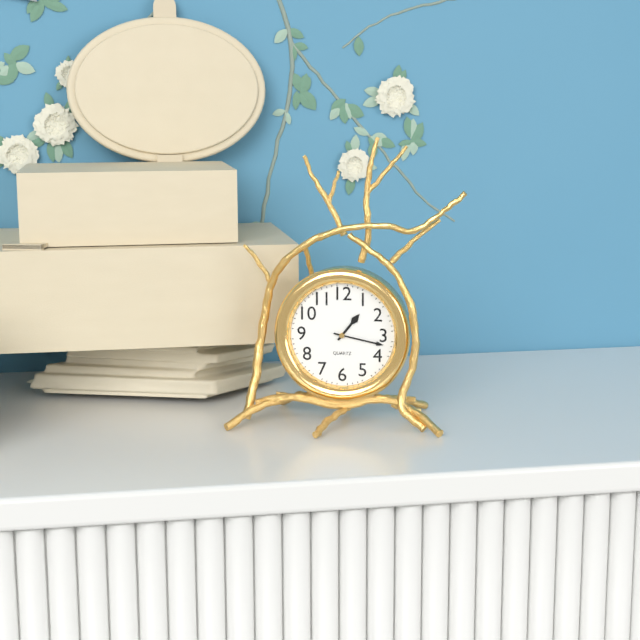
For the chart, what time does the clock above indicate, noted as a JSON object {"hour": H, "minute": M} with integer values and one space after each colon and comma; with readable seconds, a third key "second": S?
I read {"hour": 1, "minute": 17}
